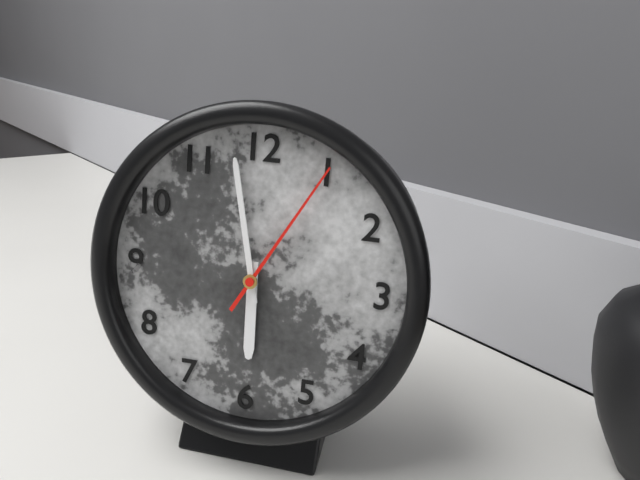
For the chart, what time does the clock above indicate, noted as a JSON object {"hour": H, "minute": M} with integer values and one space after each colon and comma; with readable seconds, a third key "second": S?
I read {"hour": 5, "minute": 58, "second": 5}
